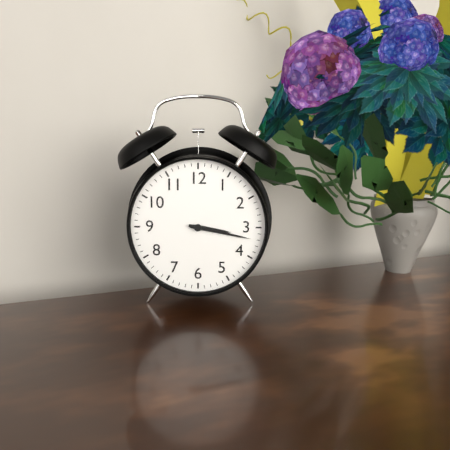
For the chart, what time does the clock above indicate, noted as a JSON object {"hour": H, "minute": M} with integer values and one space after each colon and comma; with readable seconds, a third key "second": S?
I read {"hour": 3, "minute": 17}
